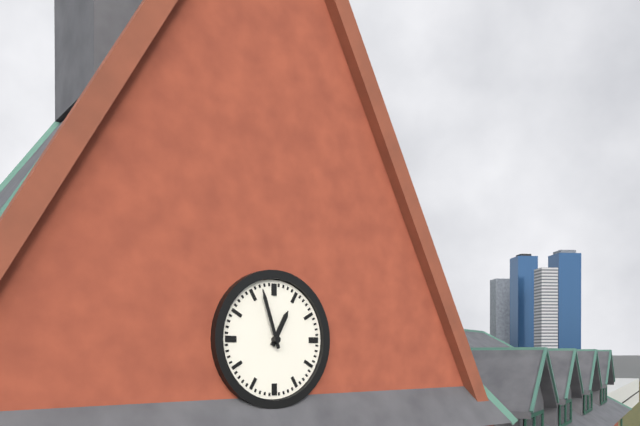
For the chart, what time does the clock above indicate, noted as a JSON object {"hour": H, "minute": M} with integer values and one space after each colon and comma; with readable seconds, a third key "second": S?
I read {"hour": 12, "minute": 57}
